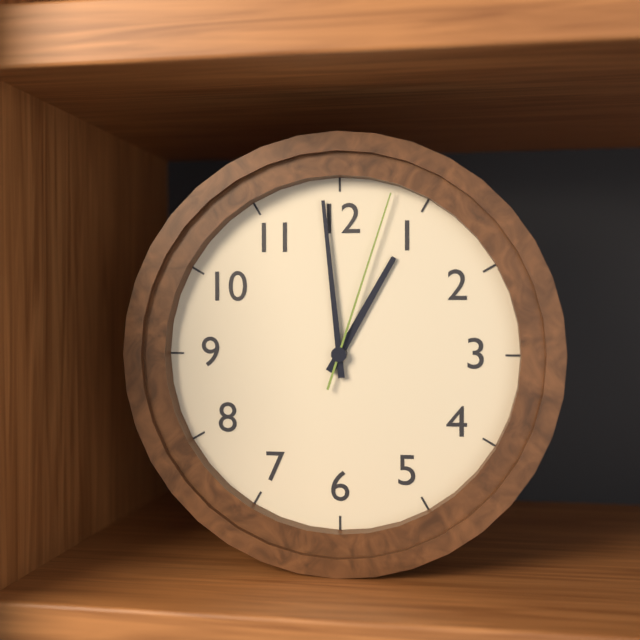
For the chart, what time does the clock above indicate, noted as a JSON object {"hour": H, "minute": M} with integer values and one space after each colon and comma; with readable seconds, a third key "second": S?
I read {"hour": 12, "minute": 59, "second": 3}
